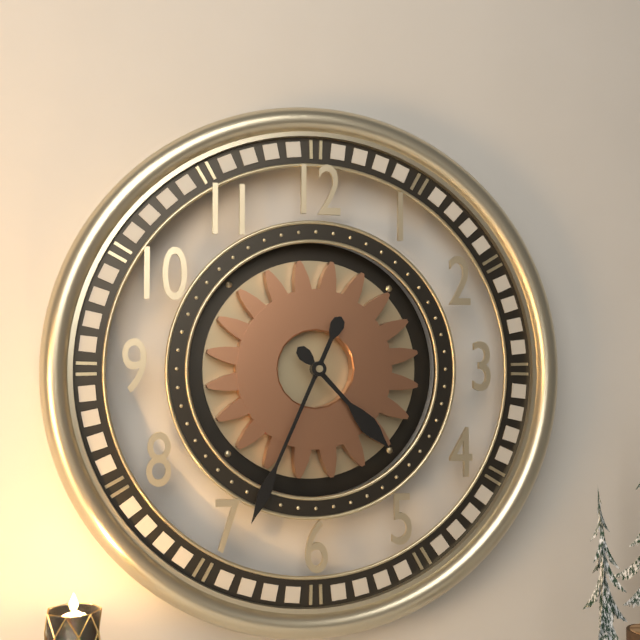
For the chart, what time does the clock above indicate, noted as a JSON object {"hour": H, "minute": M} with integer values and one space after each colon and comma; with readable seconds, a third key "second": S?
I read {"hour": 4, "minute": 34}
